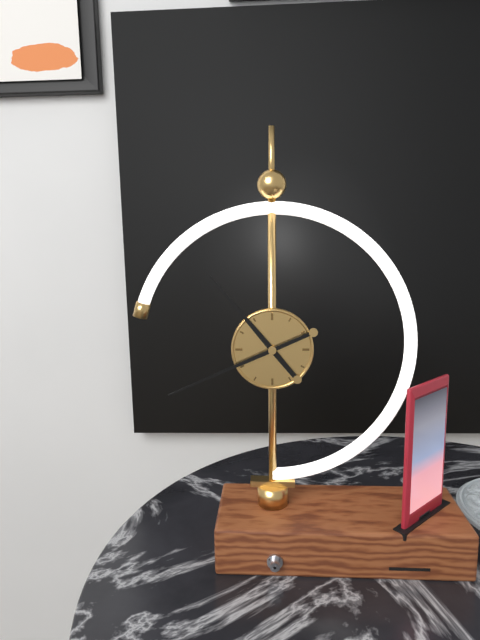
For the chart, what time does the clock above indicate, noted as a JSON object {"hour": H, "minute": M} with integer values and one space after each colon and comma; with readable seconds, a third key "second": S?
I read {"hour": 10, "minute": 41}
